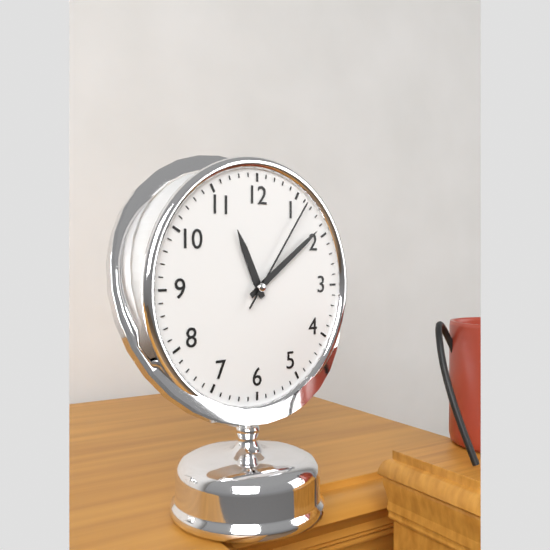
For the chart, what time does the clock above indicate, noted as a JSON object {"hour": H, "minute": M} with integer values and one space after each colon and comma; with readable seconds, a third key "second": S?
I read {"hour": 11, "minute": 9, "second": 6}
